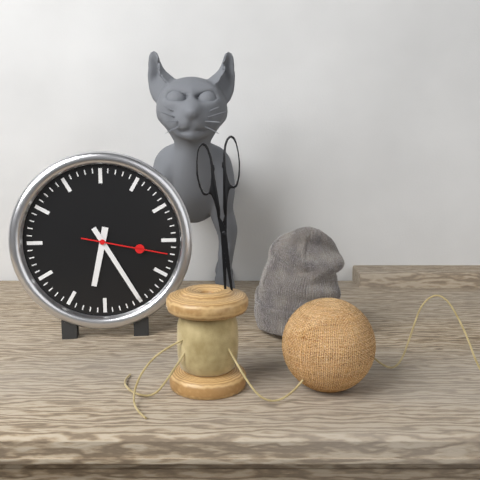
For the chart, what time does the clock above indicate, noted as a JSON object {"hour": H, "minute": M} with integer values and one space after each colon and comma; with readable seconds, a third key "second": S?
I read {"hour": 6, "minute": 25, "second": 17}
